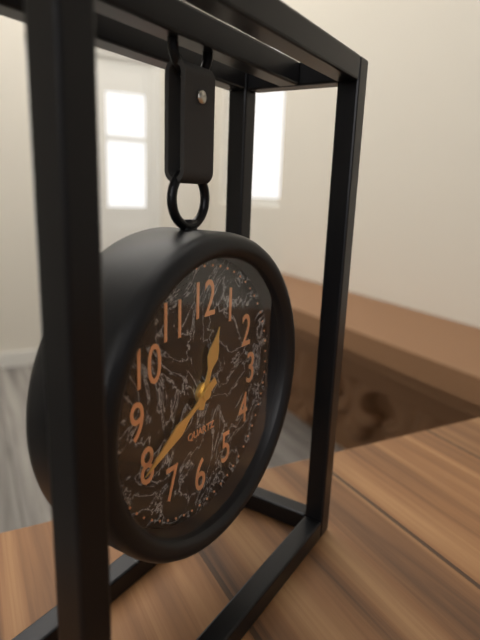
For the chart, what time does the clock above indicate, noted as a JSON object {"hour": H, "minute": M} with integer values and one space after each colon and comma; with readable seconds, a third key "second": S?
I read {"hour": 12, "minute": 40}
